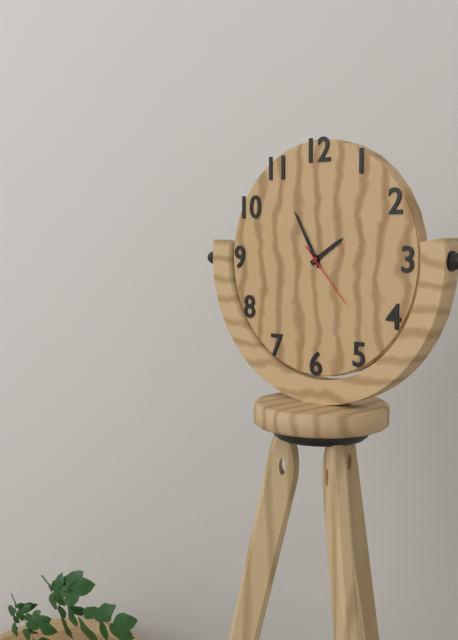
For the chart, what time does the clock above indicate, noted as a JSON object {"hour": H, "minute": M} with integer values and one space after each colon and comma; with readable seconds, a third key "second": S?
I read {"hour": 1, "minute": 55, "second": 23}
